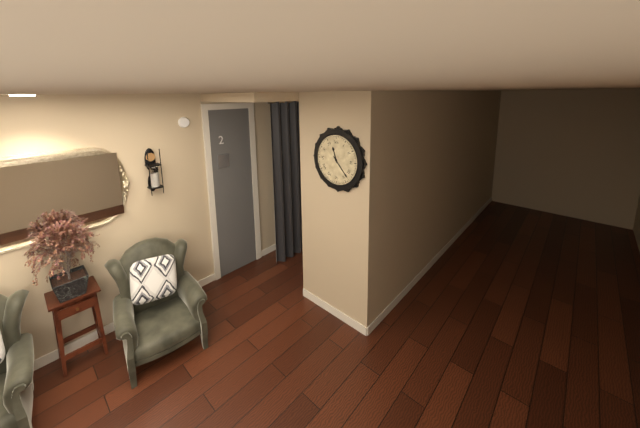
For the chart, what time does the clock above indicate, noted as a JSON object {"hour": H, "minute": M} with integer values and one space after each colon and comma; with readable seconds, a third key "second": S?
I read {"hour": 11, "minute": 23}
